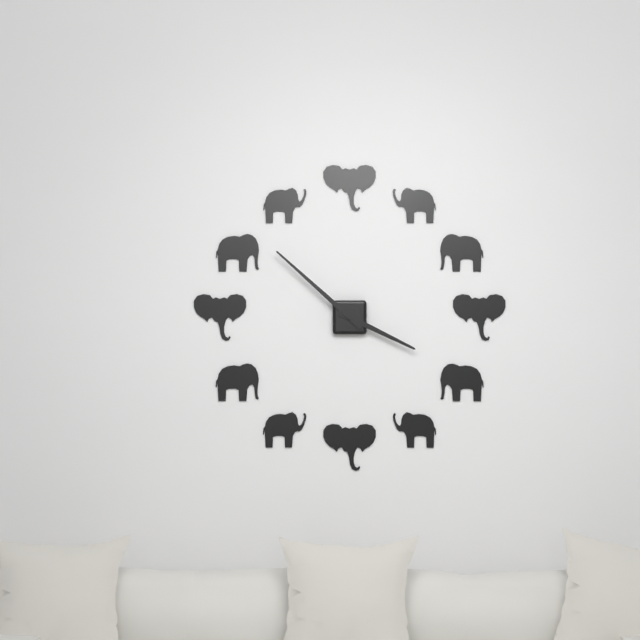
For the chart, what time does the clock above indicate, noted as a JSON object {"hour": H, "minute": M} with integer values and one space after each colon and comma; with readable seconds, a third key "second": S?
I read {"hour": 3, "minute": 52}
